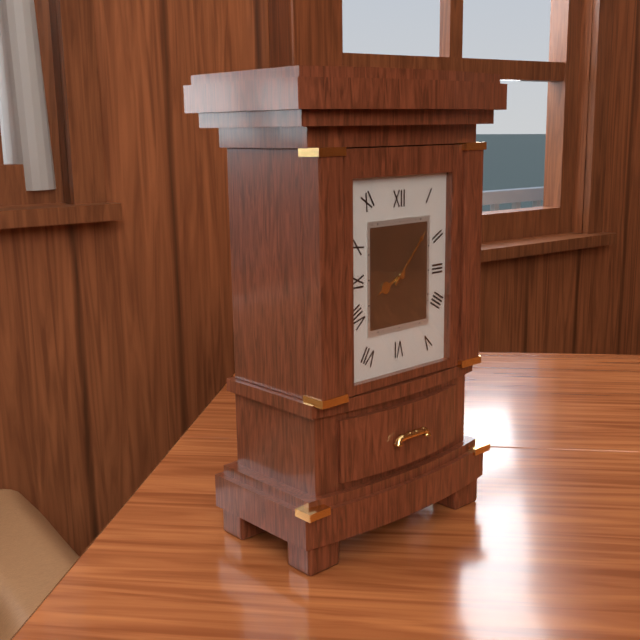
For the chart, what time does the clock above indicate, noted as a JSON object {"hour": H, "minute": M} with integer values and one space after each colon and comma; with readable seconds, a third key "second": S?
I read {"hour": 8, "minute": 7}
